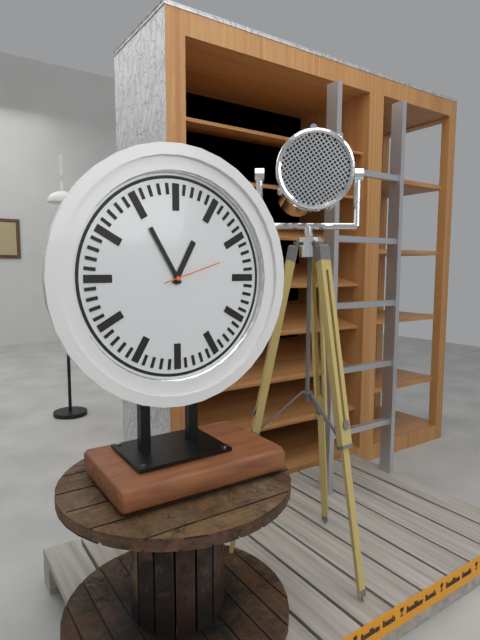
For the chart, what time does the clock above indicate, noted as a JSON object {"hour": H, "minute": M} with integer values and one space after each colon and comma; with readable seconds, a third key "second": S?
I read {"hour": 12, "minute": 55, "second": 12}
